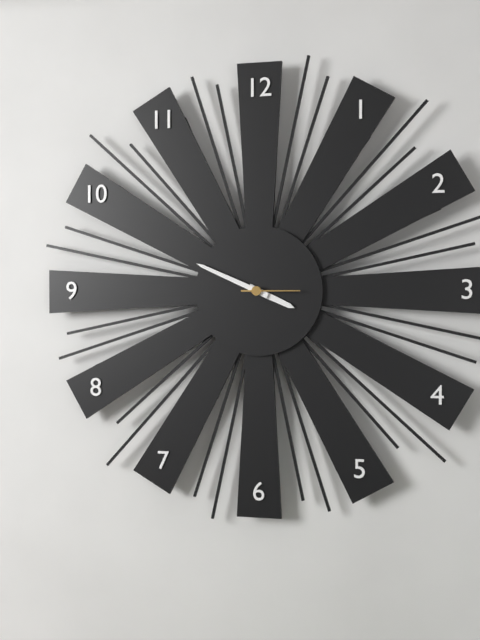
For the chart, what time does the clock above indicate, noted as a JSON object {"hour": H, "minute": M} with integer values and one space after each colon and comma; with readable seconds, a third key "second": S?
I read {"hour": 3, "minute": 49}
